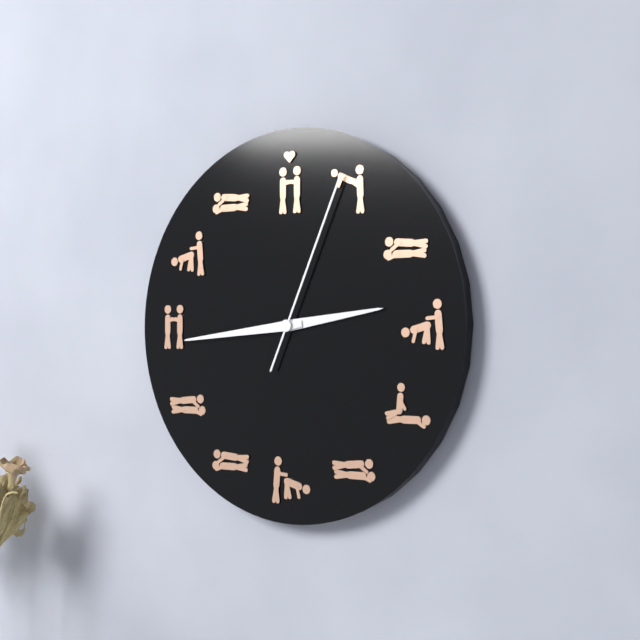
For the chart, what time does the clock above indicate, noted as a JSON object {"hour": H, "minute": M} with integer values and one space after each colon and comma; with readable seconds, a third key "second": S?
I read {"hour": 2, "minute": 44, "second": 4}
